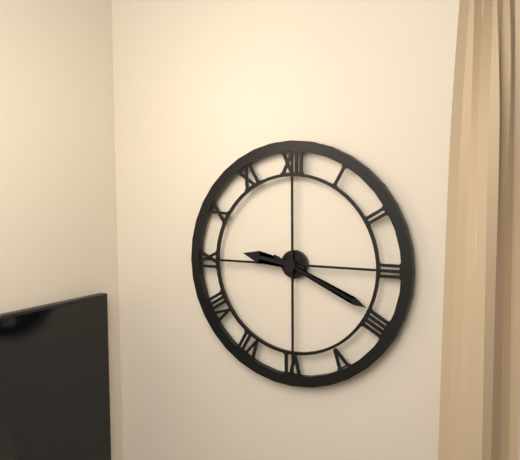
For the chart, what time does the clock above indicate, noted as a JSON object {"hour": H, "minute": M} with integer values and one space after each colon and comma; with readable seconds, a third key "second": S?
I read {"hour": 9, "minute": 19}
